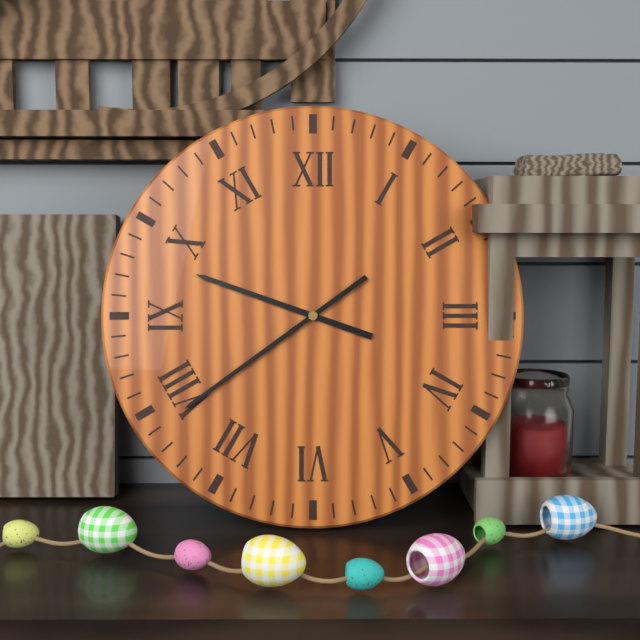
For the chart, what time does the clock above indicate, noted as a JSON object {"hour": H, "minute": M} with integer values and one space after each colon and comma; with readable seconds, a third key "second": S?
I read {"hour": 9, "minute": 39}
